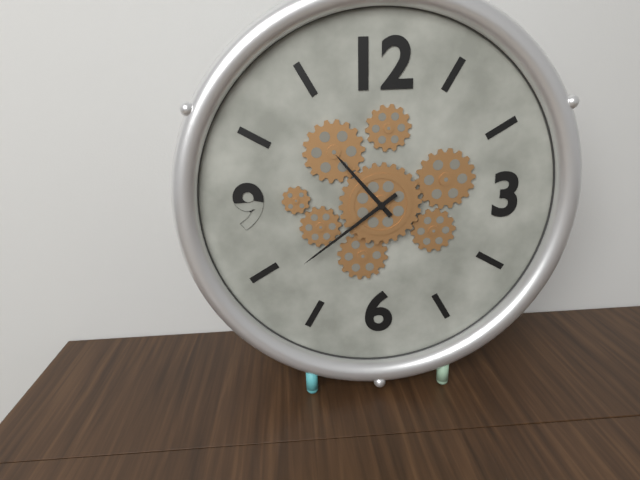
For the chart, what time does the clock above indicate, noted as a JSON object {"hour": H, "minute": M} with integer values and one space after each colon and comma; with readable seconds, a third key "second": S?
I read {"hour": 10, "minute": 39}
